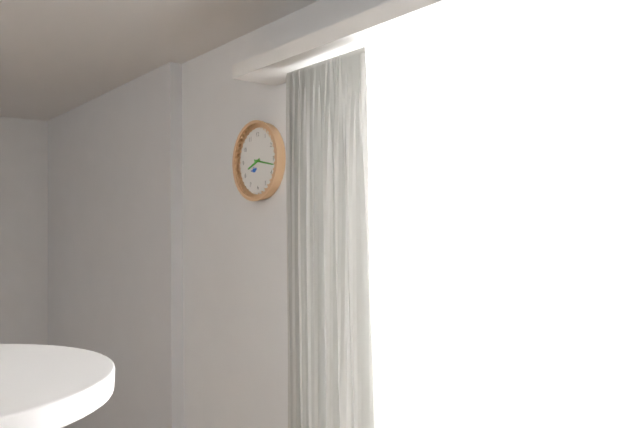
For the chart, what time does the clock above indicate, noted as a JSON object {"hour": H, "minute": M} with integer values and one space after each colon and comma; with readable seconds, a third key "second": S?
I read {"hour": 8, "minute": 17}
